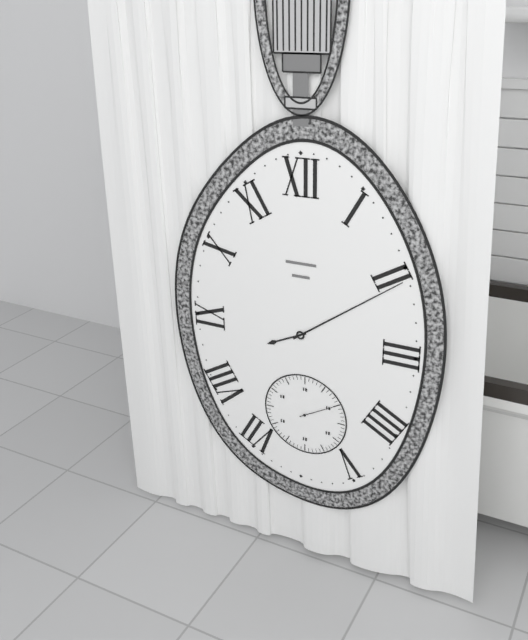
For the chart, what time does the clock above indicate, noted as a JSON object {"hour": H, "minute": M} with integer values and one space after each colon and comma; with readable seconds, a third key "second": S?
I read {"hour": 8, "minute": 9}
